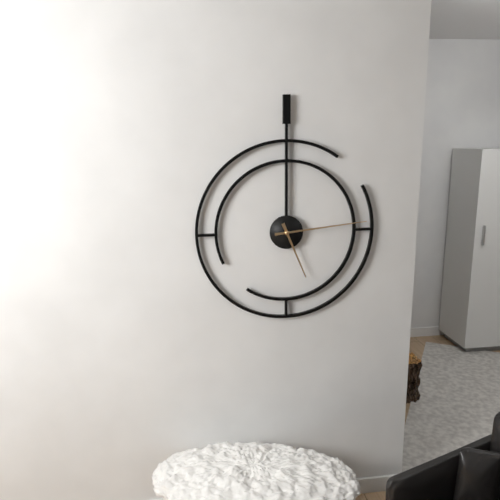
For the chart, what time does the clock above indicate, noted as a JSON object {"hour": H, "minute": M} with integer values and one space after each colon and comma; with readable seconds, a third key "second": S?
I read {"hour": 5, "minute": 14}
